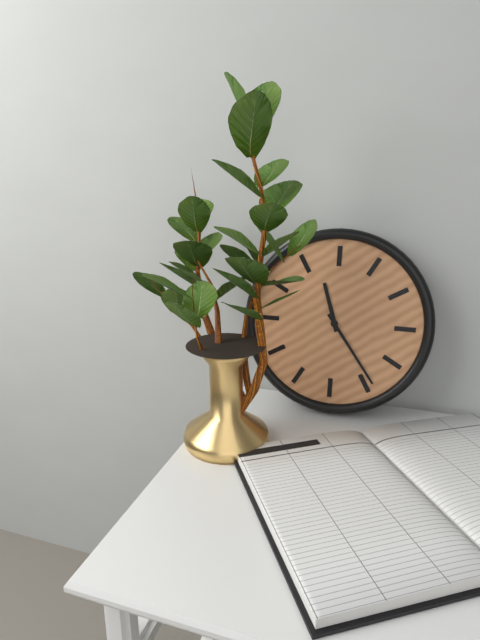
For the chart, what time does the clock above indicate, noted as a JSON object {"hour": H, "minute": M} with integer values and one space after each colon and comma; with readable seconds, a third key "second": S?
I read {"hour": 11, "minute": 24}
